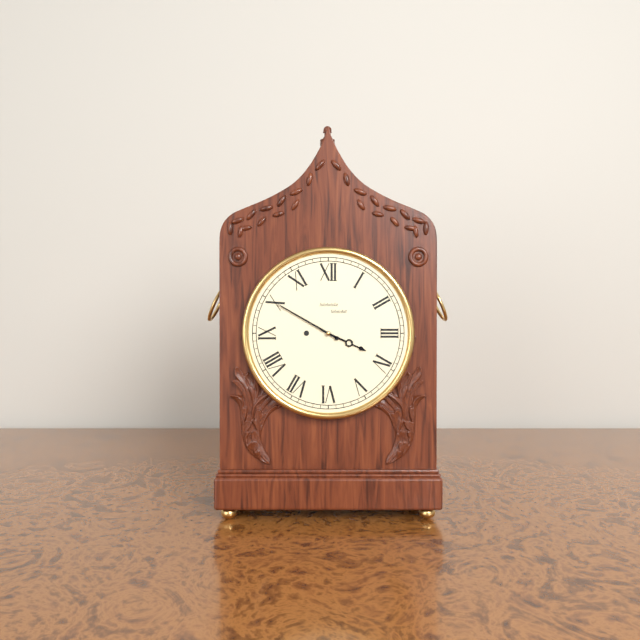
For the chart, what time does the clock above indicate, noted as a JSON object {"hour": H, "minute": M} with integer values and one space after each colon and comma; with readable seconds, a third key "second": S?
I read {"hour": 3, "minute": 50}
